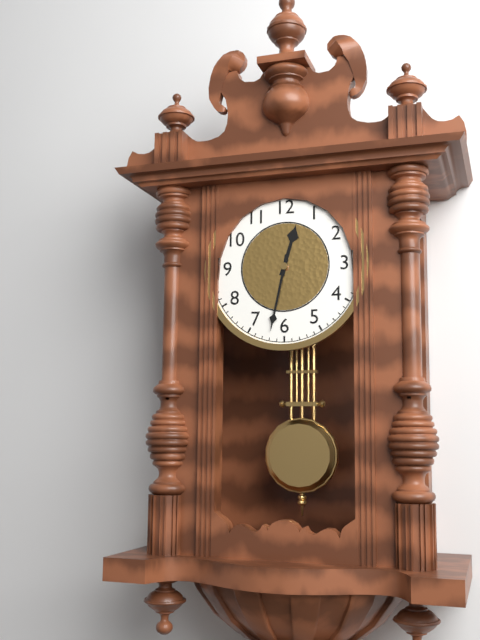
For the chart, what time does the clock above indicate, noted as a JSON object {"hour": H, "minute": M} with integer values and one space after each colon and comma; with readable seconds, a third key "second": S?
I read {"hour": 12, "minute": 32}
